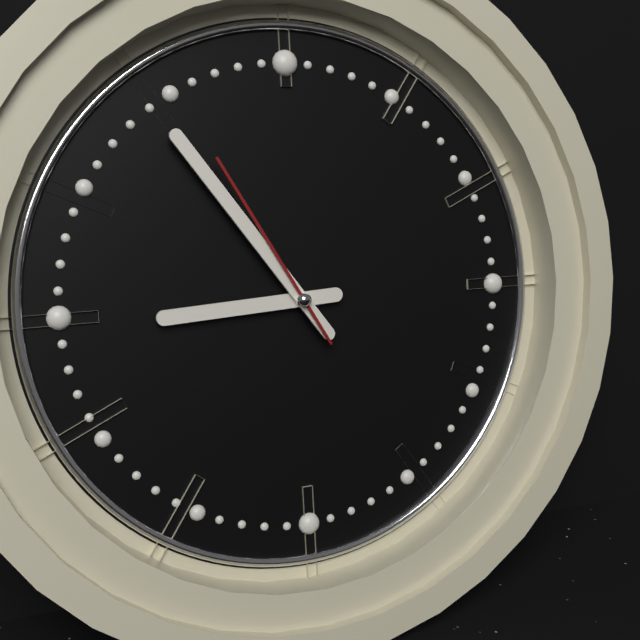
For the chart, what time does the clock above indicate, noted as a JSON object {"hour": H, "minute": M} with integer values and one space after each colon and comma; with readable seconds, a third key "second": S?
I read {"hour": 8, "minute": 54, "second": 55}
